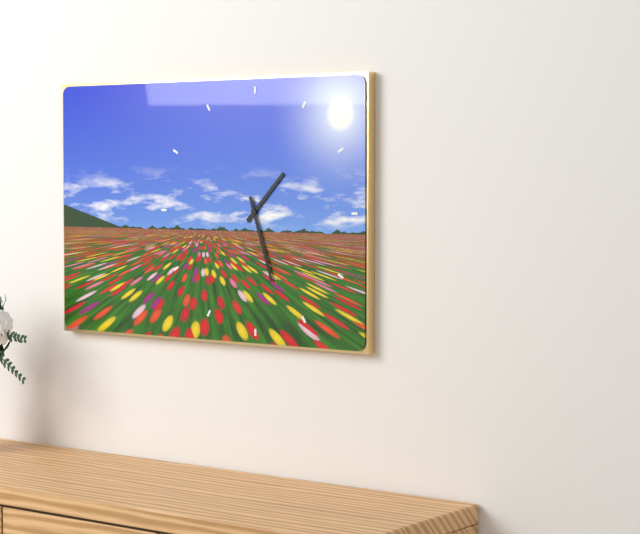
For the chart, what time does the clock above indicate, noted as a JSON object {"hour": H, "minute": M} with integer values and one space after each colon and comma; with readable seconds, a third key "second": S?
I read {"hour": 1, "minute": 27}
